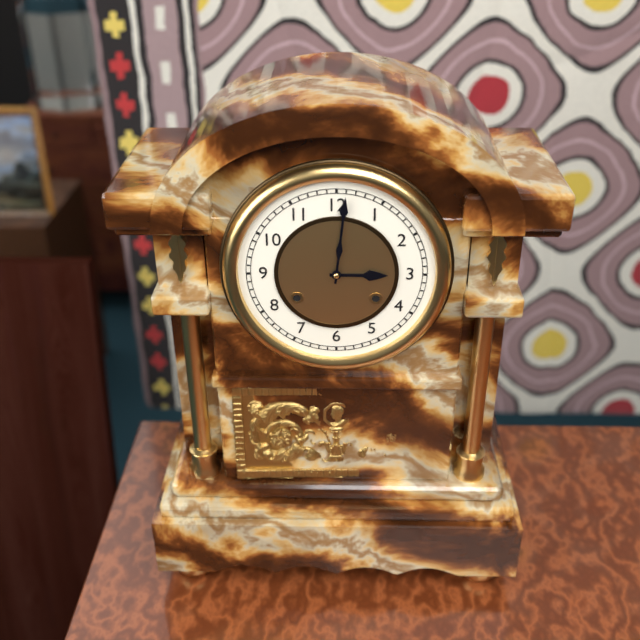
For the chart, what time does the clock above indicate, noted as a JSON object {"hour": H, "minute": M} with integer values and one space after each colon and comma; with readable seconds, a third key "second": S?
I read {"hour": 3, "minute": 1}
